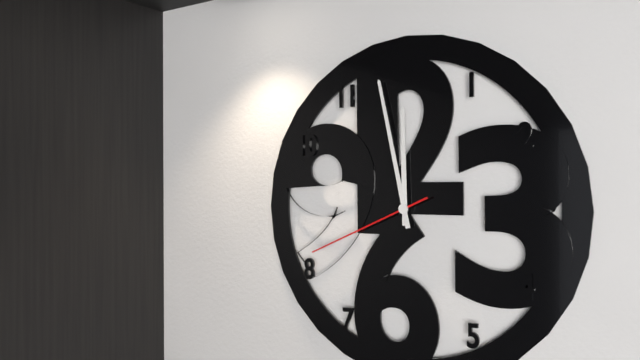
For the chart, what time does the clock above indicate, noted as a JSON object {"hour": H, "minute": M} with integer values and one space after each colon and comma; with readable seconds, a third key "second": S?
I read {"hour": 11, "minute": 58, "second": 41}
